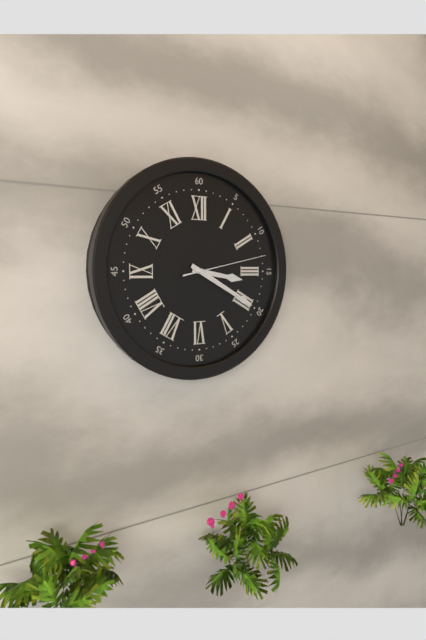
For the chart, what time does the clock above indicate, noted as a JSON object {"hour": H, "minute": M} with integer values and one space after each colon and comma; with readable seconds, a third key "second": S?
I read {"hour": 3, "minute": 20, "second": 13}
